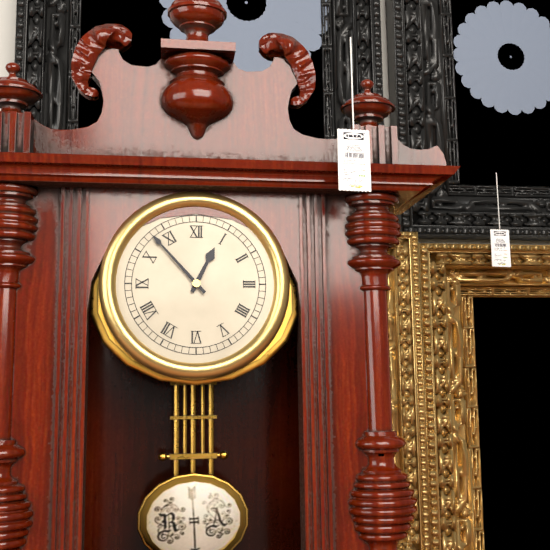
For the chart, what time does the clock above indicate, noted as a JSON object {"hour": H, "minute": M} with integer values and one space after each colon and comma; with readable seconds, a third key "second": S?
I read {"hour": 12, "minute": 53}
